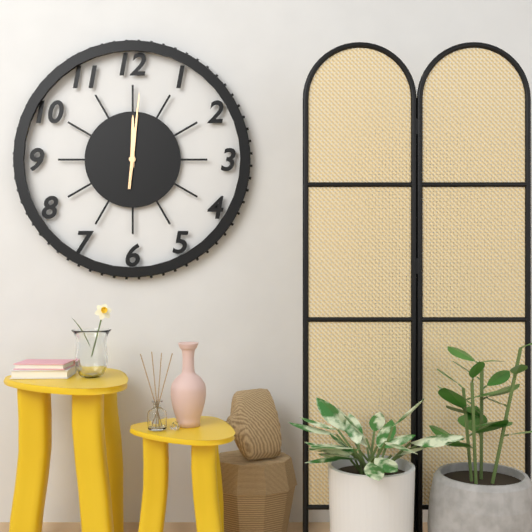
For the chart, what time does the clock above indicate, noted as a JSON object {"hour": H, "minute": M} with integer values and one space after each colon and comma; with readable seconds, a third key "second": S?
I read {"hour": 12, "minute": 1}
